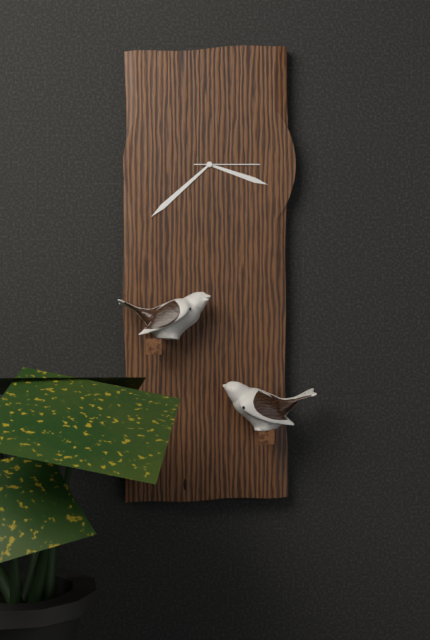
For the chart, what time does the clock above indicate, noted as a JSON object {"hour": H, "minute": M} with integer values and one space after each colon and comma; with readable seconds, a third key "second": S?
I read {"hour": 3, "minute": 38, "second": 15}
